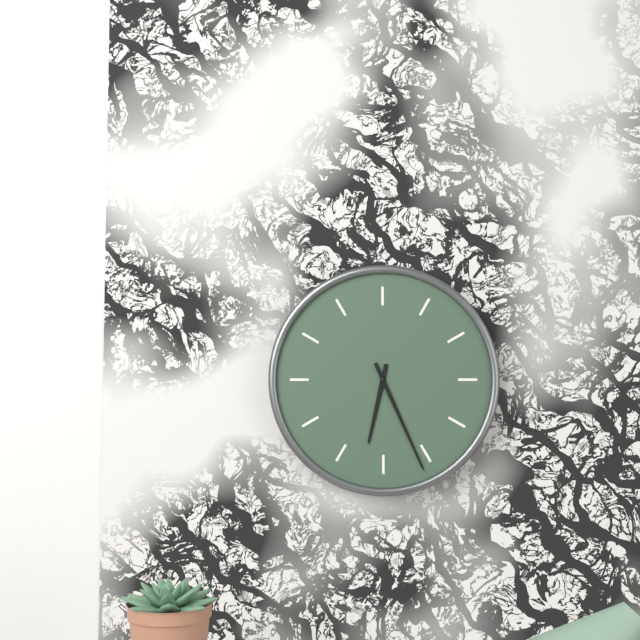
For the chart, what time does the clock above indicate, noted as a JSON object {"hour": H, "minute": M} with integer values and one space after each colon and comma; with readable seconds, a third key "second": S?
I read {"hour": 6, "minute": 26}
